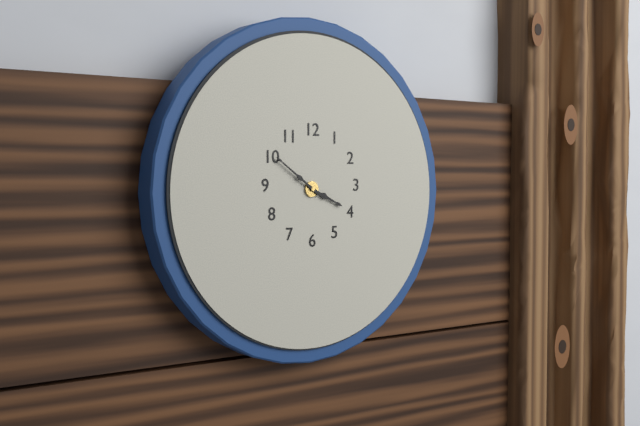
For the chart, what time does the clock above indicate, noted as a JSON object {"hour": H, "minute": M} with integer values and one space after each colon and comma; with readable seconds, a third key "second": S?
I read {"hour": 3, "minute": 51}
